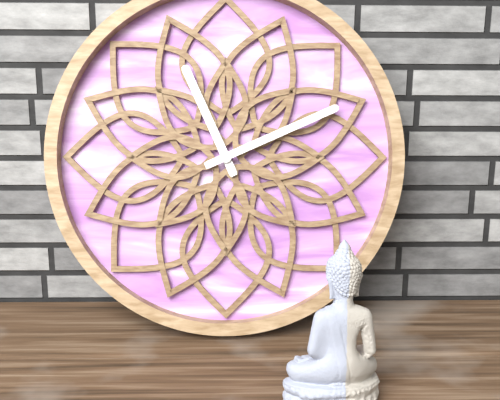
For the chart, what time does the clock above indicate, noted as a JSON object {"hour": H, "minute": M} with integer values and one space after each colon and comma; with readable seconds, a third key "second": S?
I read {"hour": 11, "minute": 11}
